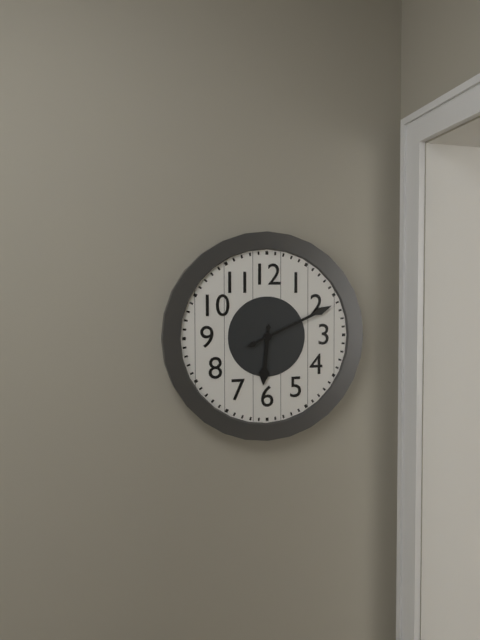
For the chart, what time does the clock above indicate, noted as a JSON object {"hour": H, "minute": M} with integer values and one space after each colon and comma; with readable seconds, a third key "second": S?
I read {"hour": 6, "minute": 11}
